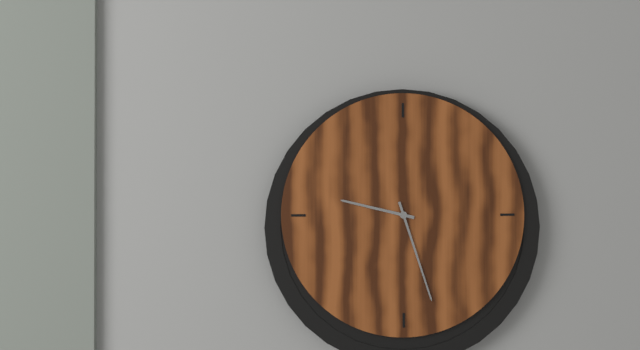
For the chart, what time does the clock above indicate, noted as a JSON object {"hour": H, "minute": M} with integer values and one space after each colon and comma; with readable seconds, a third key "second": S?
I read {"hour": 9, "minute": 27}
